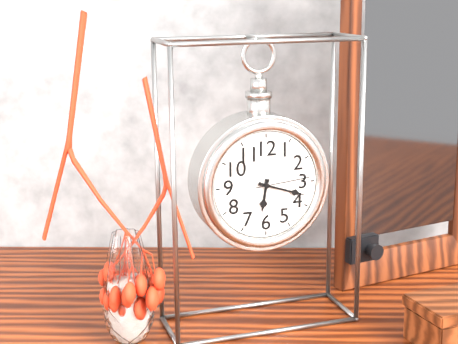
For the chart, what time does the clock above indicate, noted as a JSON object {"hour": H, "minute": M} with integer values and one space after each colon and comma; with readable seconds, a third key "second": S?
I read {"hour": 6, "minute": 18, "second": 14}
